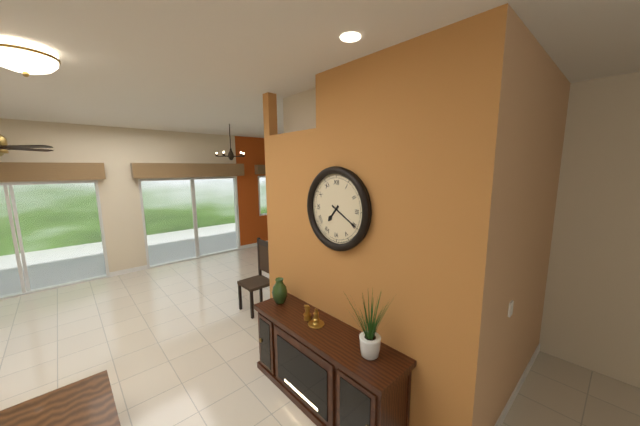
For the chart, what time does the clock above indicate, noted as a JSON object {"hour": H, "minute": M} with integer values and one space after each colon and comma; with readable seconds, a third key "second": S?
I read {"hour": 7, "minute": 20}
